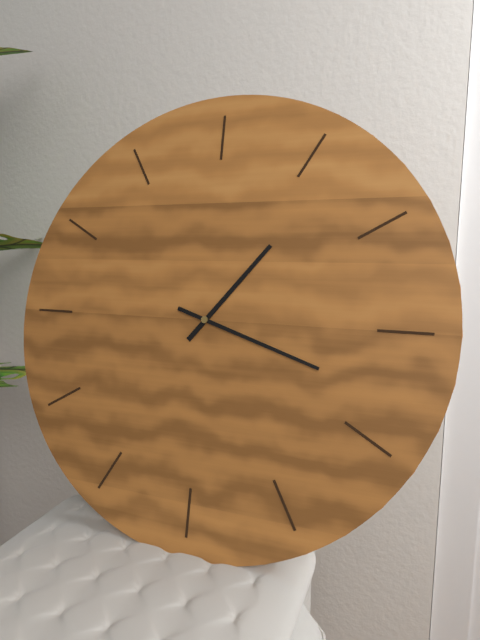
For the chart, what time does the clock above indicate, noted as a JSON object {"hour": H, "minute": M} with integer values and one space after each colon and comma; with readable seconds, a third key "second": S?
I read {"hour": 1, "minute": 18}
